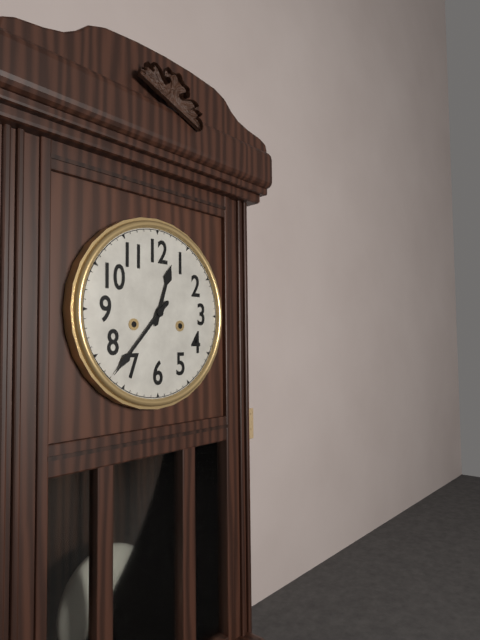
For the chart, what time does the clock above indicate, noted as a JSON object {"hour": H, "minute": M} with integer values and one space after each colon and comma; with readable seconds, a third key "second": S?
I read {"hour": 12, "minute": 37}
